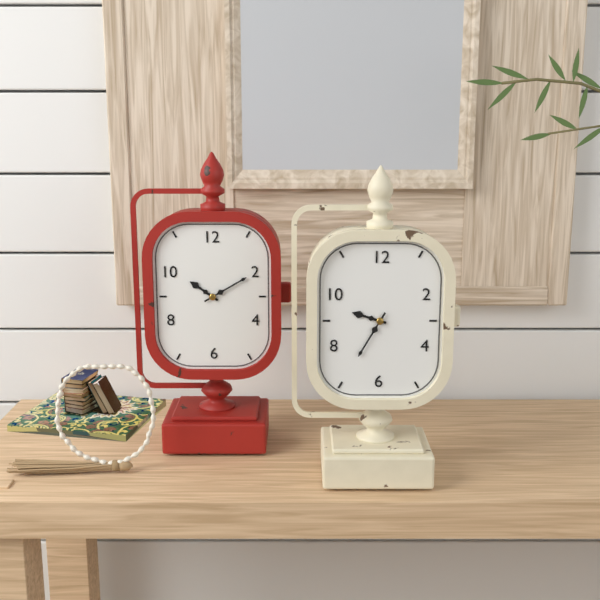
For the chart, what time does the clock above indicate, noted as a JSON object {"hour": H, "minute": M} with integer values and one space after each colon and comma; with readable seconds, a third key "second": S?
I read {"hour": 9, "minute": 35}
